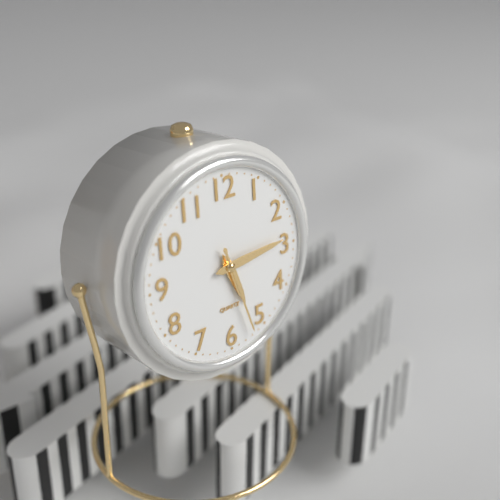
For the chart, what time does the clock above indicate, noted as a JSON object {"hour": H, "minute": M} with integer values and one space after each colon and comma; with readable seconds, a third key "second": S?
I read {"hour": 5, "minute": 14, "second": 27}
